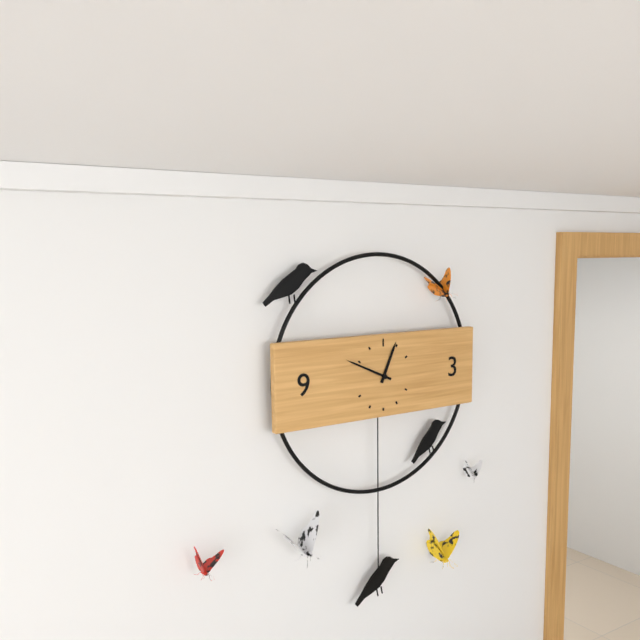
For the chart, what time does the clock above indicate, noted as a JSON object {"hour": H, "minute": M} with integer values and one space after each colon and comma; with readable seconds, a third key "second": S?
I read {"hour": 12, "minute": 49}
